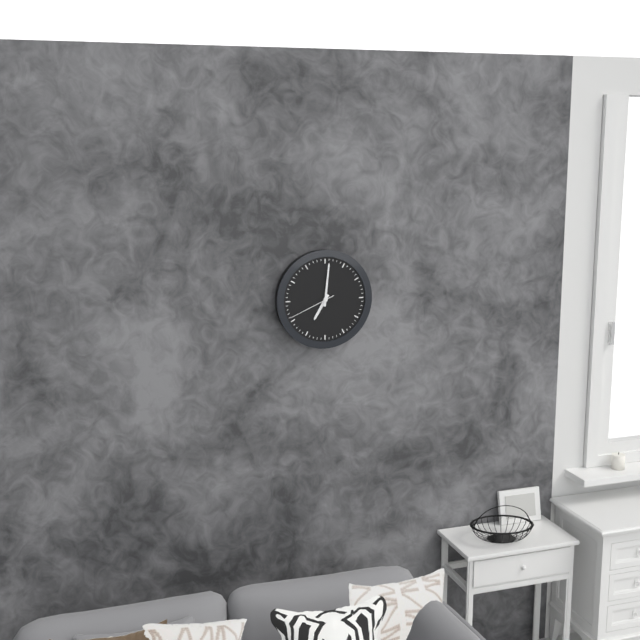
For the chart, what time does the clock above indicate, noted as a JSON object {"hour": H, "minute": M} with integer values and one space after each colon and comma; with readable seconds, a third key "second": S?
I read {"hour": 7, "minute": 1}
